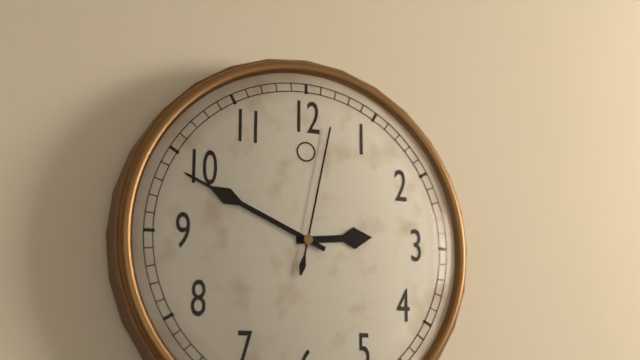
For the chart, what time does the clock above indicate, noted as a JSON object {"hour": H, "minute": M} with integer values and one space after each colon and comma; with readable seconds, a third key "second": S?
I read {"hour": 2, "minute": 49, "second": 2}
